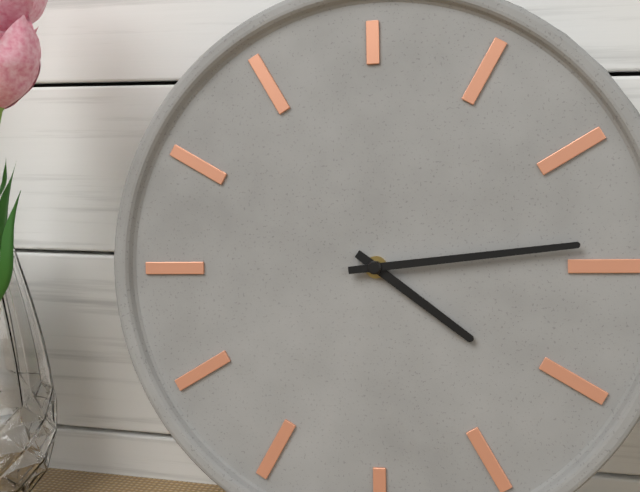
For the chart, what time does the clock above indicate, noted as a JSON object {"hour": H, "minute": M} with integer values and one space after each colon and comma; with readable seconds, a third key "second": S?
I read {"hour": 4, "minute": 14}
